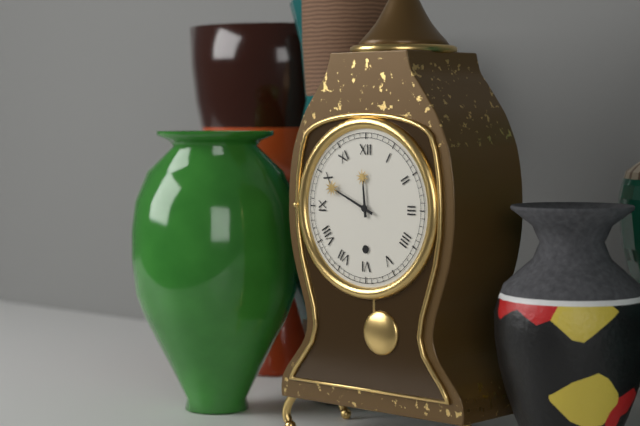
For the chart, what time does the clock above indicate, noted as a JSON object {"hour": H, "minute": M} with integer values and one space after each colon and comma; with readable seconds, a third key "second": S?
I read {"hour": 11, "minute": 49}
